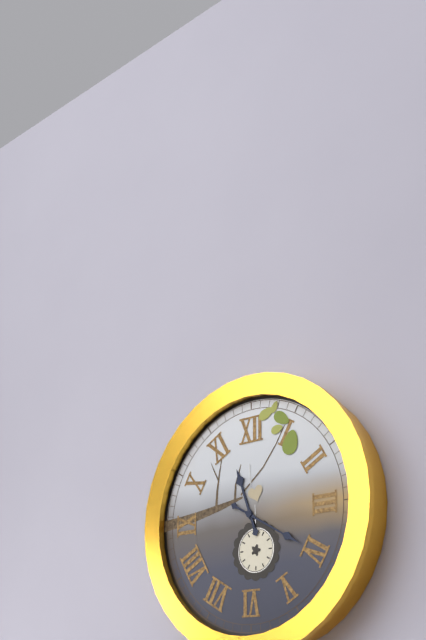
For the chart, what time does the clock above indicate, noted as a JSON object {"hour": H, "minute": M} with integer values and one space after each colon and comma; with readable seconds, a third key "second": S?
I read {"hour": 11, "minute": 20}
